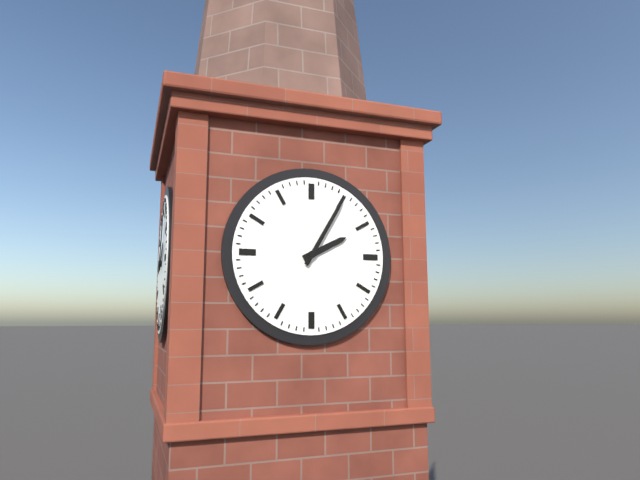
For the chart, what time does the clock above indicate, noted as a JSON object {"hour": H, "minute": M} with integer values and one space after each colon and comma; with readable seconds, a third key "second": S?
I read {"hour": 2, "minute": 5}
